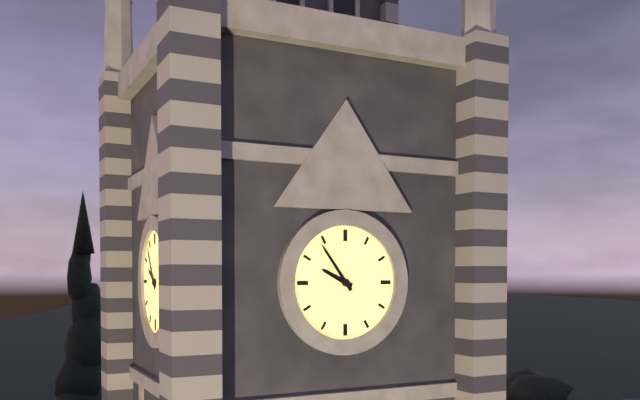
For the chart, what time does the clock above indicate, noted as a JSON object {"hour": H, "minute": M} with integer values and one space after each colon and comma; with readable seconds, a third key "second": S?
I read {"hour": 9, "minute": 54}
